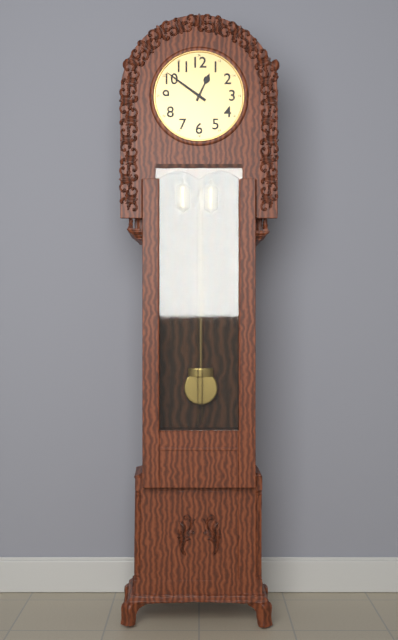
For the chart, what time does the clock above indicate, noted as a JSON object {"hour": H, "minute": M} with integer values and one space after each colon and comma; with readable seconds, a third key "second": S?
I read {"hour": 12, "minute": 51}
